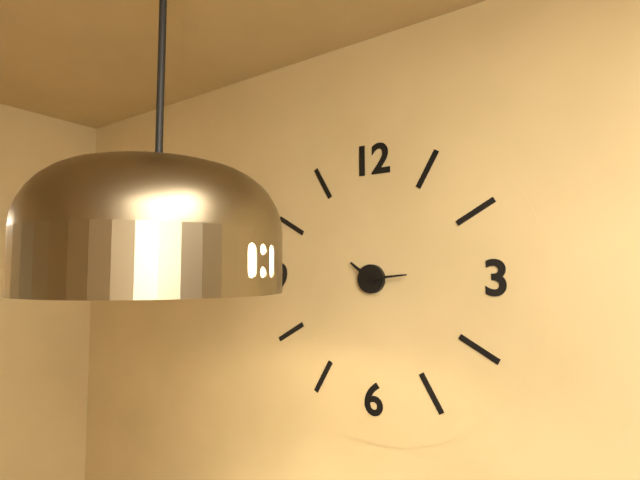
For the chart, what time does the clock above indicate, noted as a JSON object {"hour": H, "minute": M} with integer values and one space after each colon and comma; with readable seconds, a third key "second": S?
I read {"hour": 10, "minute": 14}
